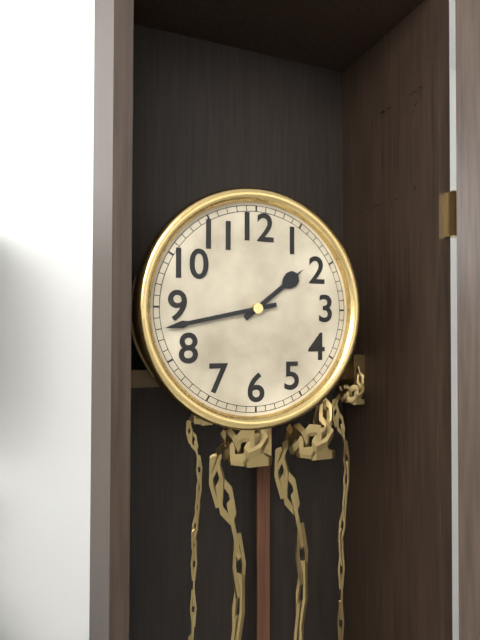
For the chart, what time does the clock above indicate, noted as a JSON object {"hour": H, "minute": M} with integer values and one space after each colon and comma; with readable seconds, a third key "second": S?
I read {"hour": 1, "minute": 43}
